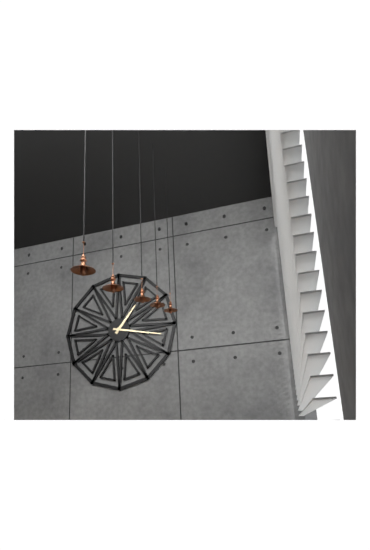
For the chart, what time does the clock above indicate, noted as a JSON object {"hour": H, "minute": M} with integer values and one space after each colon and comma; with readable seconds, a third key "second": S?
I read {"hour": 1, "minute": 17}
